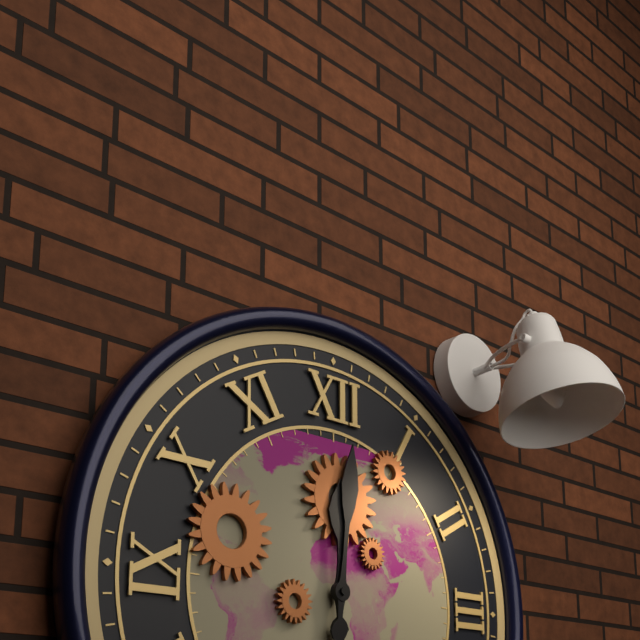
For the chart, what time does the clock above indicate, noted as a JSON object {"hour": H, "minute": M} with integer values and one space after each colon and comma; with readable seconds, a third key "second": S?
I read {"hour": 12, "minute": 1}
